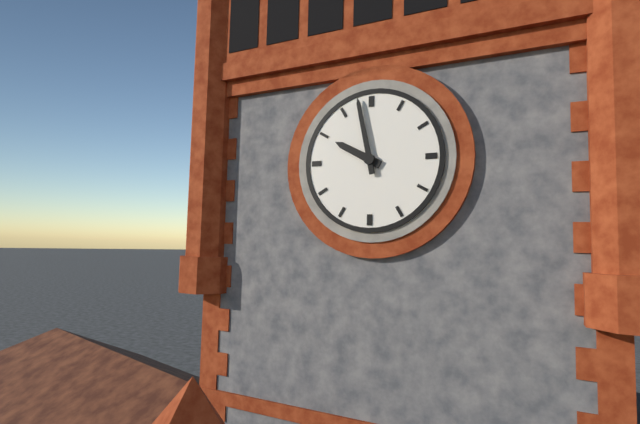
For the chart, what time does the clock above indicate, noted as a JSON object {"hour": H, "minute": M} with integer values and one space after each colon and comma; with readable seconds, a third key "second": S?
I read {"hour": 9, "minute": 58}
